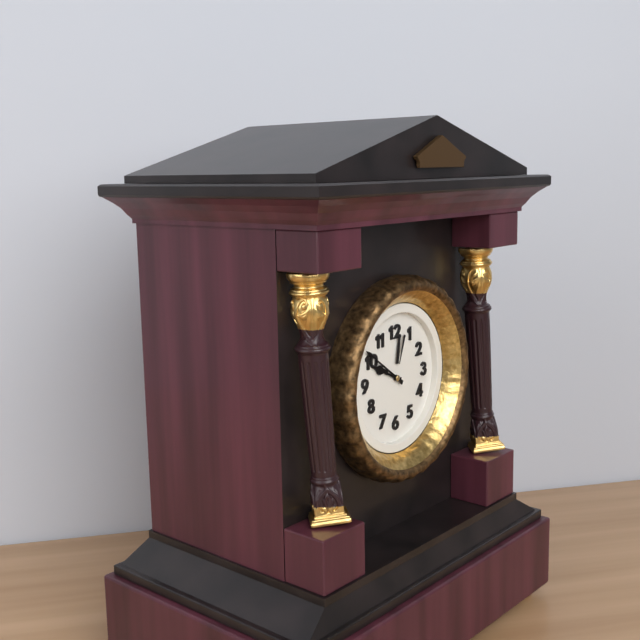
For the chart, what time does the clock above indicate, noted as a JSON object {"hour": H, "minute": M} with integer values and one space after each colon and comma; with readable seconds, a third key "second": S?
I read {"hour": 9, "minute": 51}
